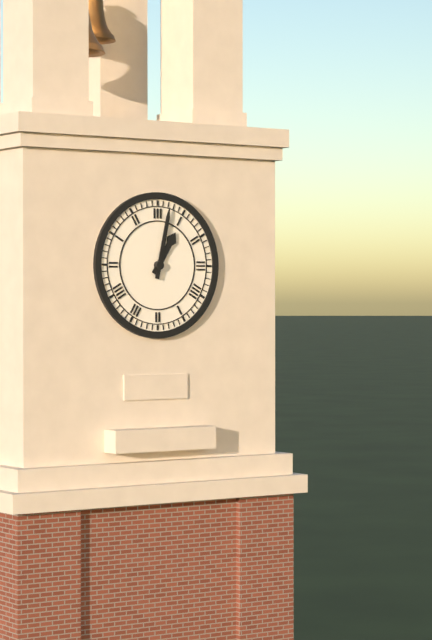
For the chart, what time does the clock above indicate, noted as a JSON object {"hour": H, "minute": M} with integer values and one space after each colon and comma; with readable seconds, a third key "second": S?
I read {"hour": 1, "minute": 2}
